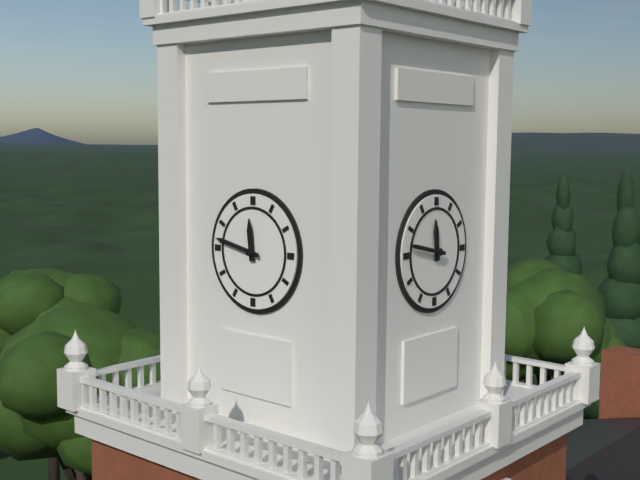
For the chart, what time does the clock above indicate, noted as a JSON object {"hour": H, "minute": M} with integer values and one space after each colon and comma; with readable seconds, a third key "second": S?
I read {"hour": 11, "minute": 47}
